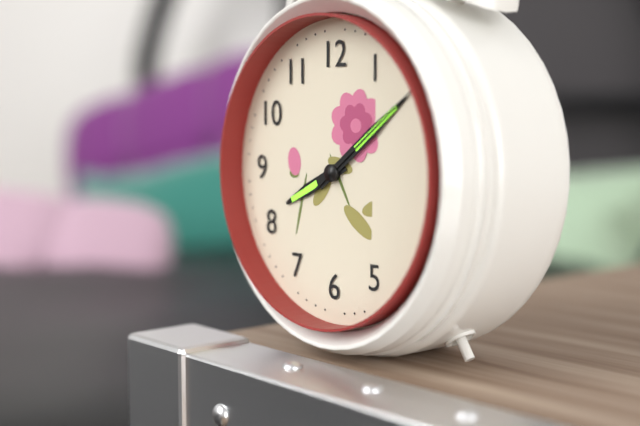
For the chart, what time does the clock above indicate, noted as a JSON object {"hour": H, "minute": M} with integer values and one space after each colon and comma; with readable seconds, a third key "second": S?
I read {"hour": 8, "minute": 9, "second": 9}
